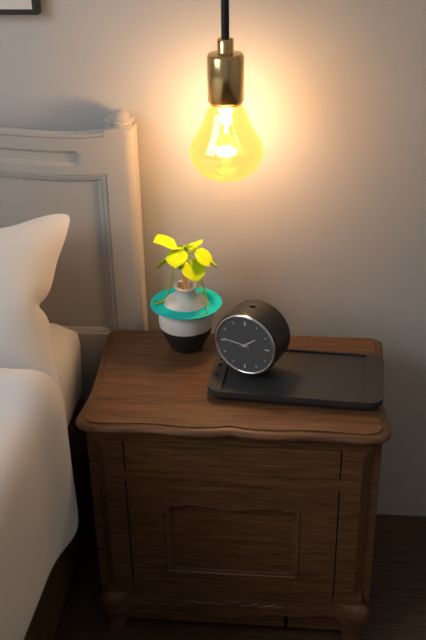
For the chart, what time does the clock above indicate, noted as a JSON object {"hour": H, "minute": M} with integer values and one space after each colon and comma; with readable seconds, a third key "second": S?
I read {"hour": 1, "minute": 46}
